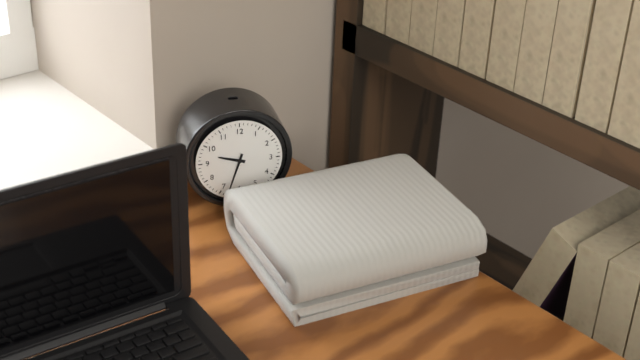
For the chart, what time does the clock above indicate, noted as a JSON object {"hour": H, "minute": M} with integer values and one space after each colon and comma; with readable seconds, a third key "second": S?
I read {"hour": 9, "minute": 33}
